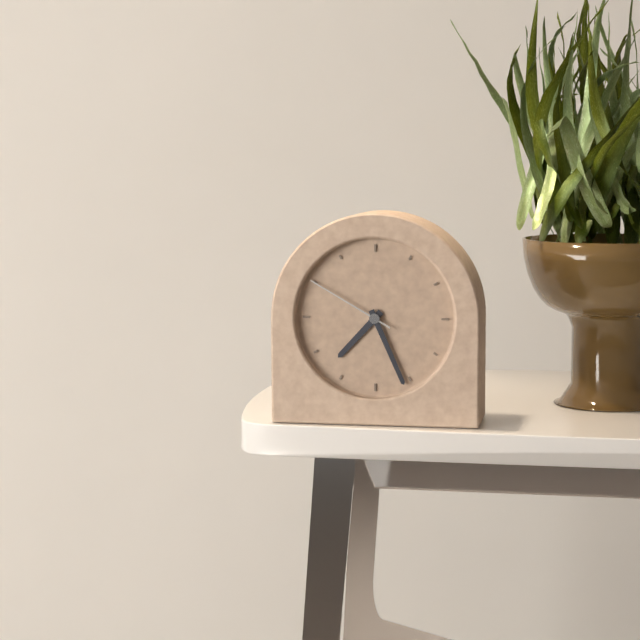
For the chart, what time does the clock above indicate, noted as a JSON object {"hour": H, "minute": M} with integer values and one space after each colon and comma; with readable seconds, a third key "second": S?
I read {"hour": 7, "minute": 26, "second": 50}
